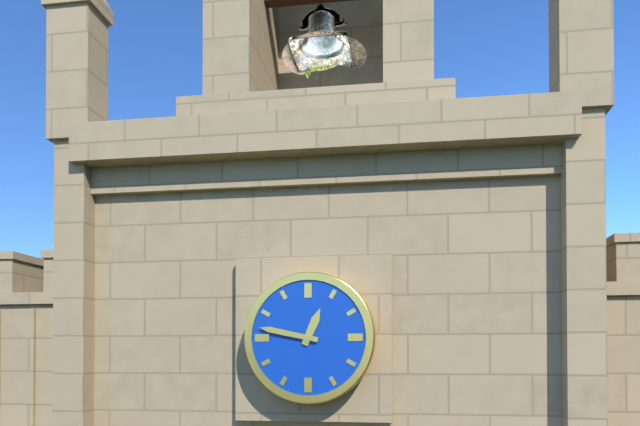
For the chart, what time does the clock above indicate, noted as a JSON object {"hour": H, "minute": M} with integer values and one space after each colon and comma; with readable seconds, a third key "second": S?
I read {"hour": 12, "minute": 47}
